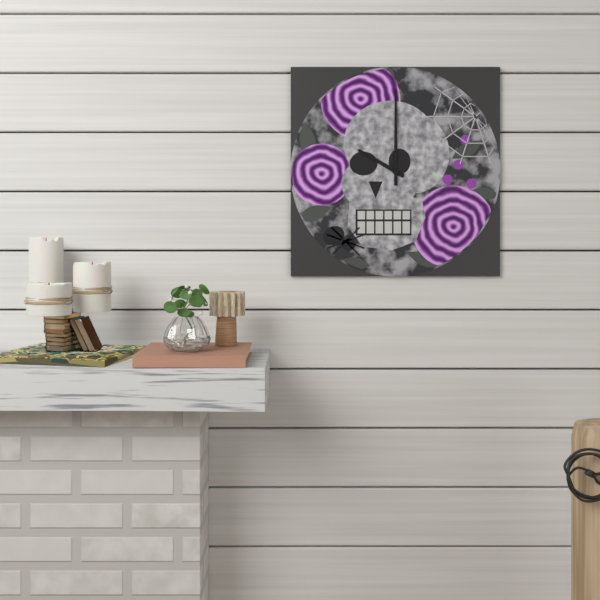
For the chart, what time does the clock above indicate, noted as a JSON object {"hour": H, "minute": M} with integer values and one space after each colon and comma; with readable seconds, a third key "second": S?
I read {"hour": 10, "minute": 0}
